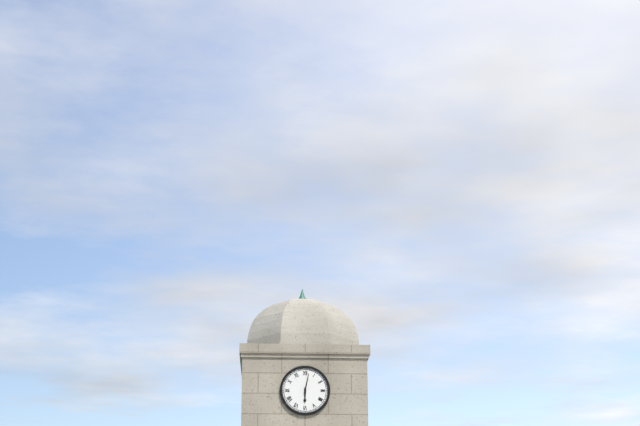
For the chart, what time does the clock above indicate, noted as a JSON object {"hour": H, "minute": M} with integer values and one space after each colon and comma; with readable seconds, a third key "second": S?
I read {"hour": 6, "minute": 2}
